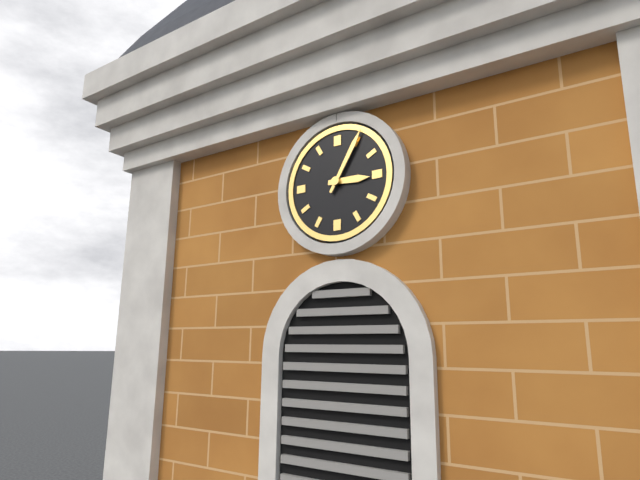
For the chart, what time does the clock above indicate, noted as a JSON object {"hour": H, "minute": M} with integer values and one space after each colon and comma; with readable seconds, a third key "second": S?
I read {"hour": 3, "minute": 5}
